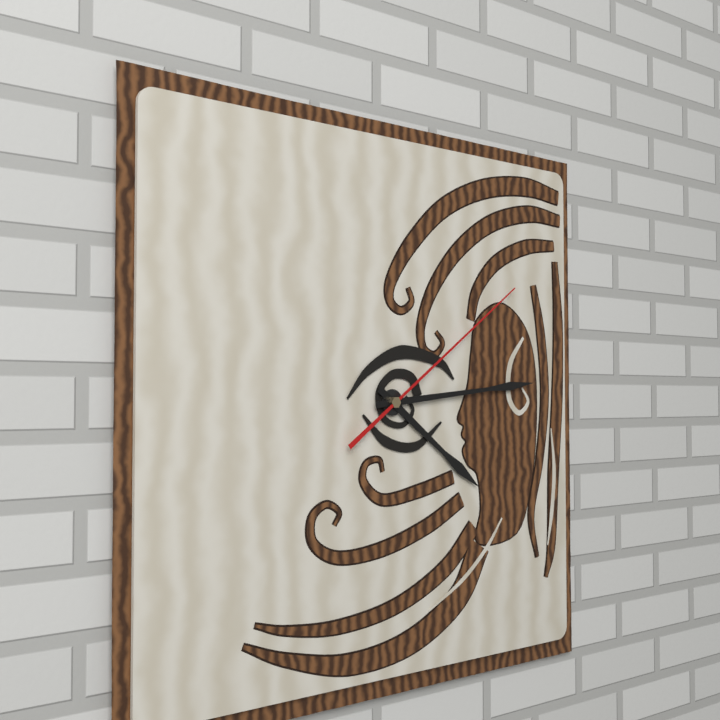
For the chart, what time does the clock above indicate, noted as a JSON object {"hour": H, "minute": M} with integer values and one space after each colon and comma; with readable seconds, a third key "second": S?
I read {"hour": 4, "minute": 14, "second": 9}
